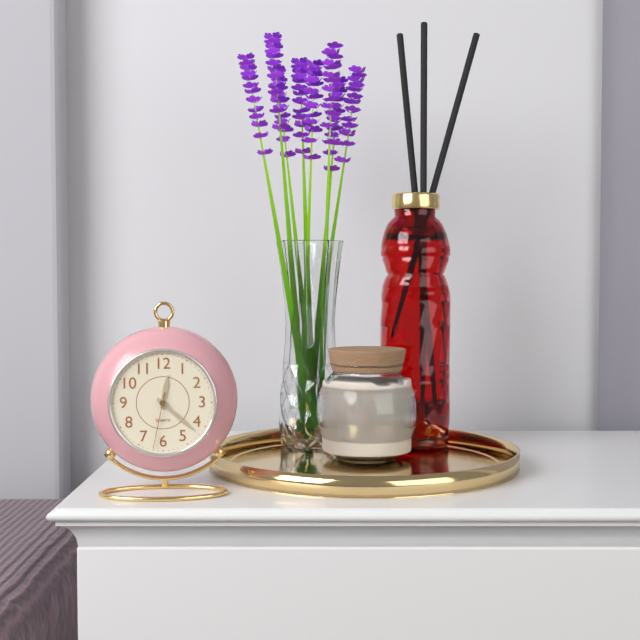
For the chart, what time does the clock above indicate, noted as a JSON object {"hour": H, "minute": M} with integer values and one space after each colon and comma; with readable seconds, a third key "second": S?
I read {"hour": 12, "minute": 22, "second": 32}
